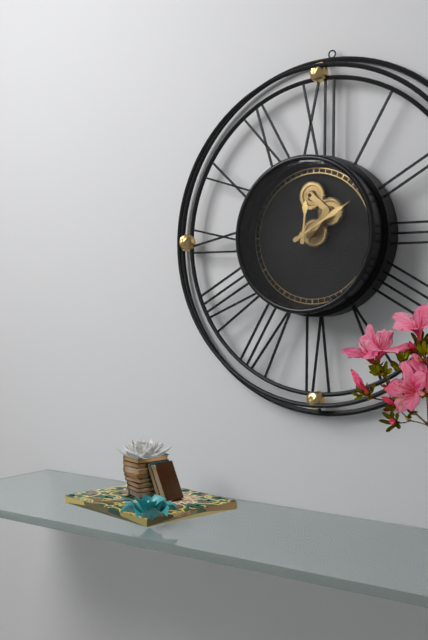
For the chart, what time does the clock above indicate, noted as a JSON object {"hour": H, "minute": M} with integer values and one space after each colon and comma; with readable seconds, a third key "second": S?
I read {"hour": 12, "minute": 10}
